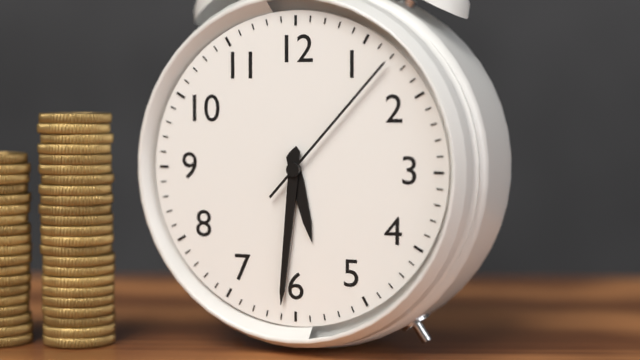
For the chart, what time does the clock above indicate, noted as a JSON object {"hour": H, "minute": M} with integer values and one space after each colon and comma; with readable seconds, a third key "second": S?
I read {"hour": 5, "minute": 31, "second": 7}
